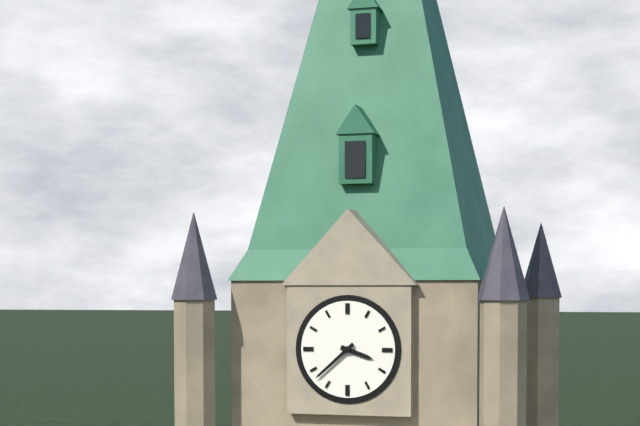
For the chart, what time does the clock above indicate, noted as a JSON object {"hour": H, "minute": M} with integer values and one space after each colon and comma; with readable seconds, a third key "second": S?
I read {"hour": 3, "minute": 38}
